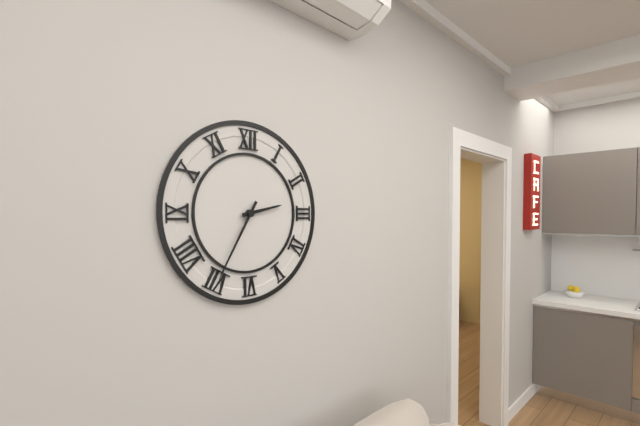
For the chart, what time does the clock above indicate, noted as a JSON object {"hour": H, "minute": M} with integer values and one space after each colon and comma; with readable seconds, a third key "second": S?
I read {"hour": 2, "minute": 35}
